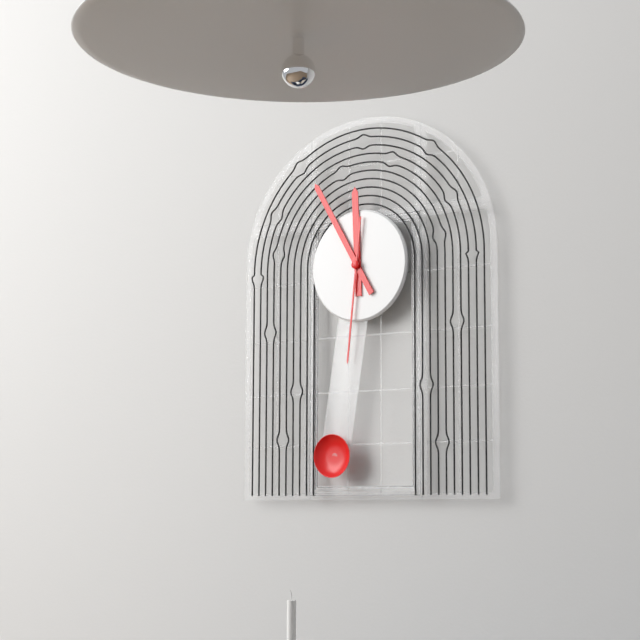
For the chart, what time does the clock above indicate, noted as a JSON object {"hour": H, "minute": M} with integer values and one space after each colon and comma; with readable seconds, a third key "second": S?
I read {"hour": 11, "minute": 55, "second": 31}
